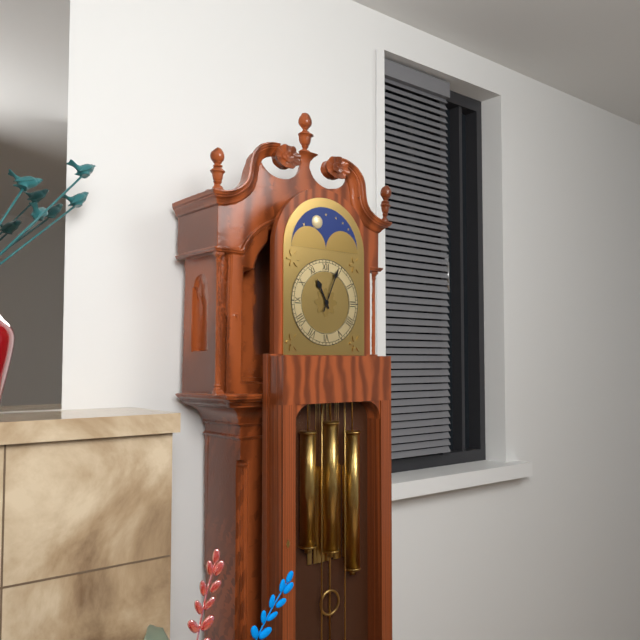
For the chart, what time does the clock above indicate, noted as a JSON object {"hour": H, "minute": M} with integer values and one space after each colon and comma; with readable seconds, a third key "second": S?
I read {"hour": 11, "minute": 4}
